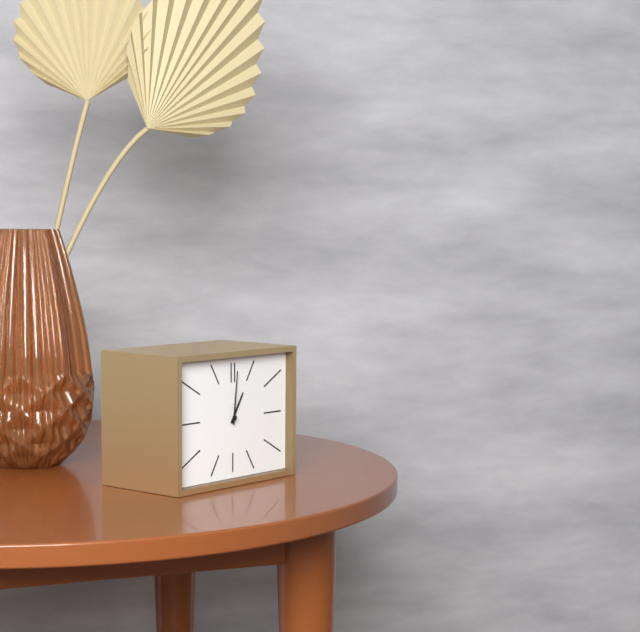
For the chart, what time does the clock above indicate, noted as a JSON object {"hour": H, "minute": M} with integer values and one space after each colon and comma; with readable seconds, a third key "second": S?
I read {"hour": 1, "minute": 1}
